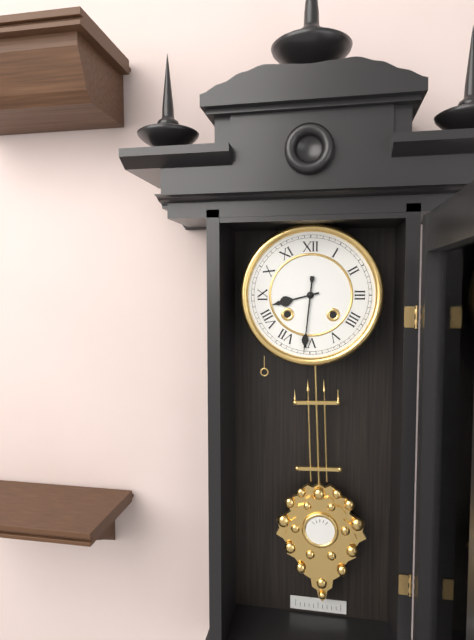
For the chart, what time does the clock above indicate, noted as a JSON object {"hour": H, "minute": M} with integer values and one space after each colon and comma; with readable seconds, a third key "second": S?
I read {"hour": 8, "minute": 31}
